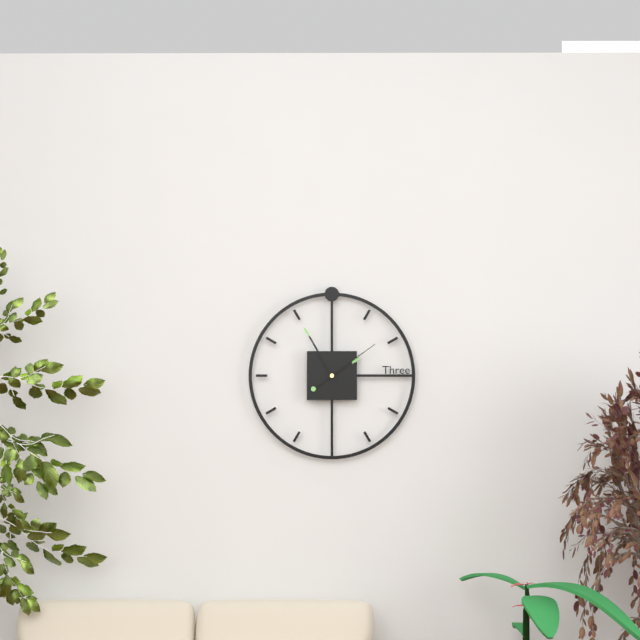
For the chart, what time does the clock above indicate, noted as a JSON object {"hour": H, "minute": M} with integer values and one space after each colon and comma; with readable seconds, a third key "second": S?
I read {"hour": 1, "minute": 55, "second": 9}
